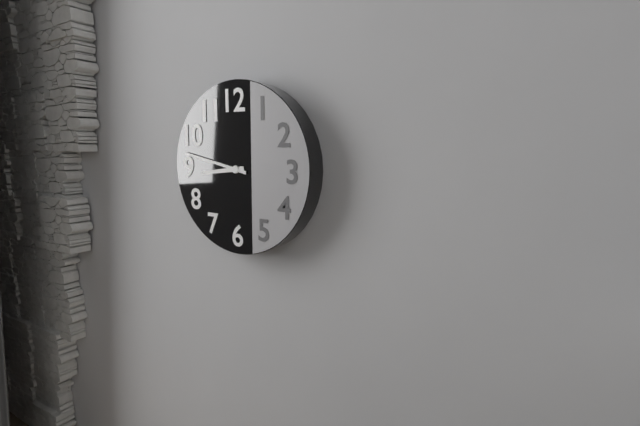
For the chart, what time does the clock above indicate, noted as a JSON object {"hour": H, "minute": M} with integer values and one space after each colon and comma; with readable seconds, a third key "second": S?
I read {"hour": 8, "minute": 47}
